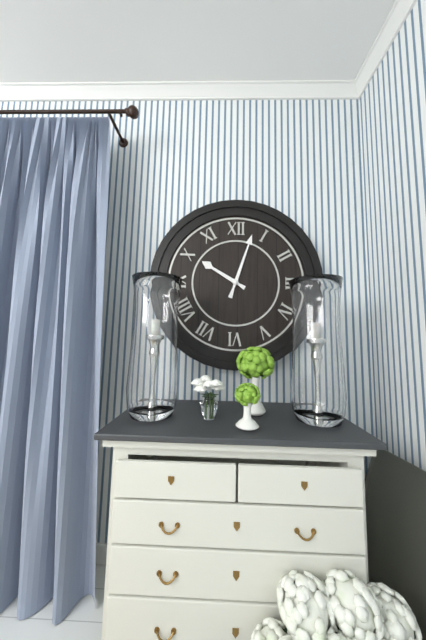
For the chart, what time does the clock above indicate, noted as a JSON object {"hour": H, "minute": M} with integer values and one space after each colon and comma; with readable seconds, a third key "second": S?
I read {"hour": 10, "minute": 3}
